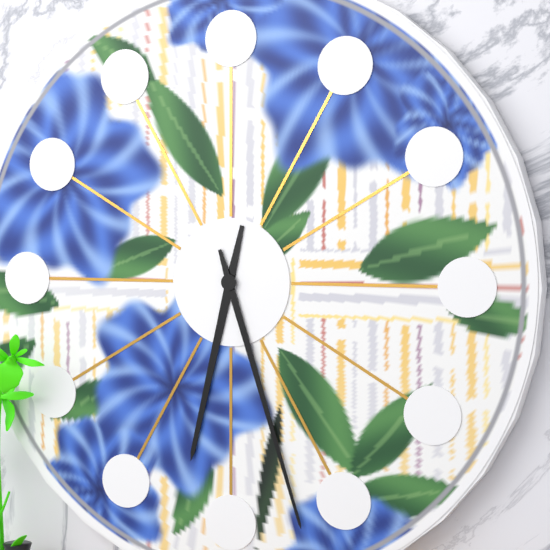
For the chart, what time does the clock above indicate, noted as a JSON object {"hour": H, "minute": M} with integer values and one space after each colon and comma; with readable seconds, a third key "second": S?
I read {"hour": 6, "minute": 27}
